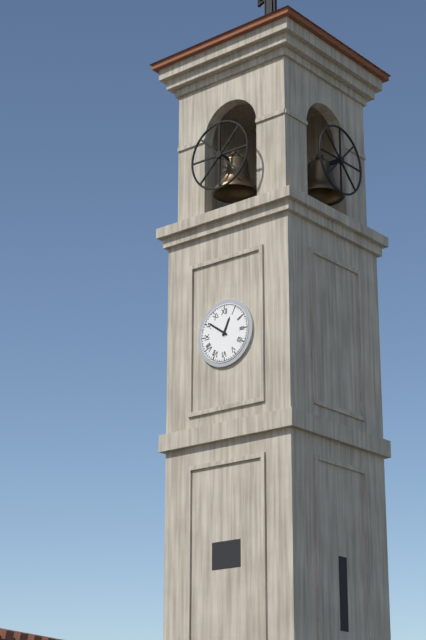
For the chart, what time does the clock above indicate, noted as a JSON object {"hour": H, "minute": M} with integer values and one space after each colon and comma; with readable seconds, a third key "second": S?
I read {"hour": 12, "minute": 51}
